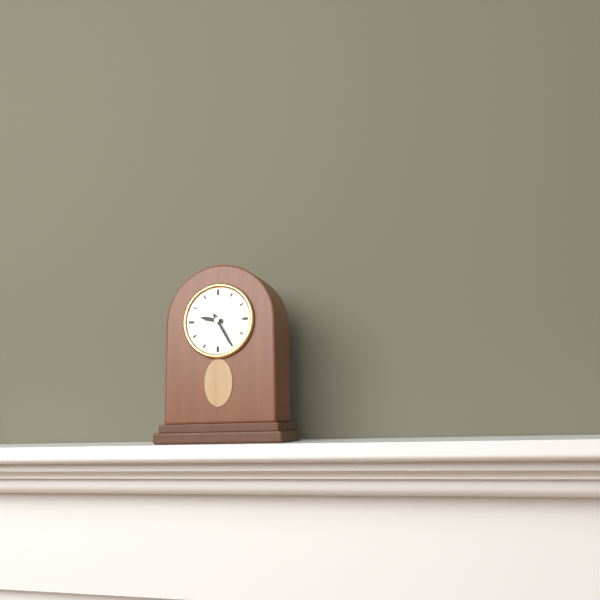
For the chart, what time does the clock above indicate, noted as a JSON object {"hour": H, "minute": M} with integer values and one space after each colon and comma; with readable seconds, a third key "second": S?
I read {"hour": 9, "minute": 25}
